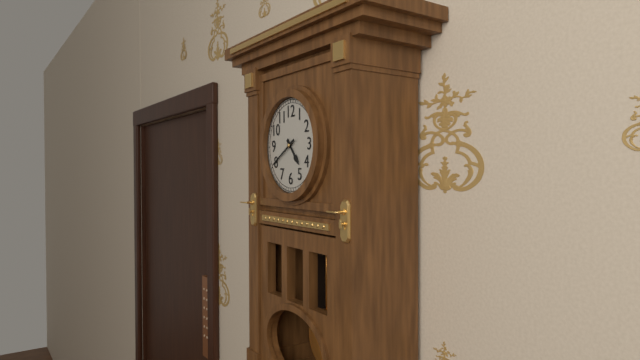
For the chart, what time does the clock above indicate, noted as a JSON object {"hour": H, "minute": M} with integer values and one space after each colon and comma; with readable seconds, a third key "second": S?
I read {"hour": 4, "minute": 40}
